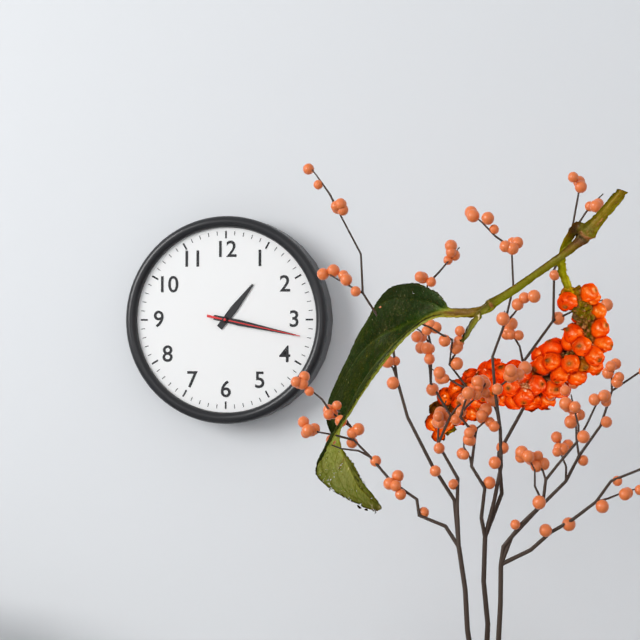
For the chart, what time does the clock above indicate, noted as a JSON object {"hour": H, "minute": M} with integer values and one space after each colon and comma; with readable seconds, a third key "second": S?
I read {"hour": 1, "minute": 17, "second": 17}
